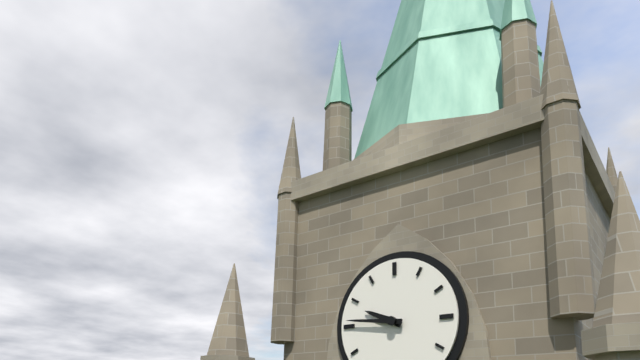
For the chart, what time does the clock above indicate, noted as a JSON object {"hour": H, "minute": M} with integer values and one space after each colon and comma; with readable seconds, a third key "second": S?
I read {"hour": 9, "minute": 46}
